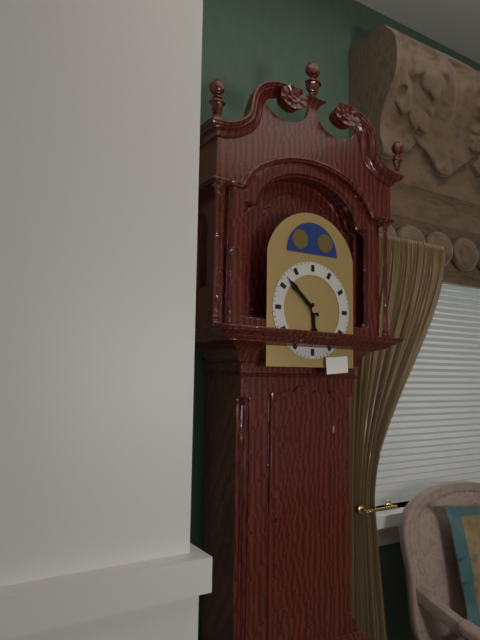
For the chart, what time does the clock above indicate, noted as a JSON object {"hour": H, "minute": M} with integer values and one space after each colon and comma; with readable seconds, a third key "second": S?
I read {"hour": 5, "minute": 52}
